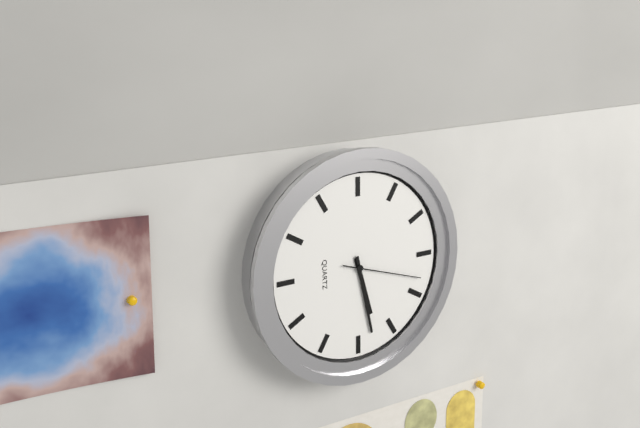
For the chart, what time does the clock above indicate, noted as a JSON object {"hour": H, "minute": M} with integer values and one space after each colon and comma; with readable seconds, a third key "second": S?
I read {"hour": 5, "minute": 28, "second": 18}
